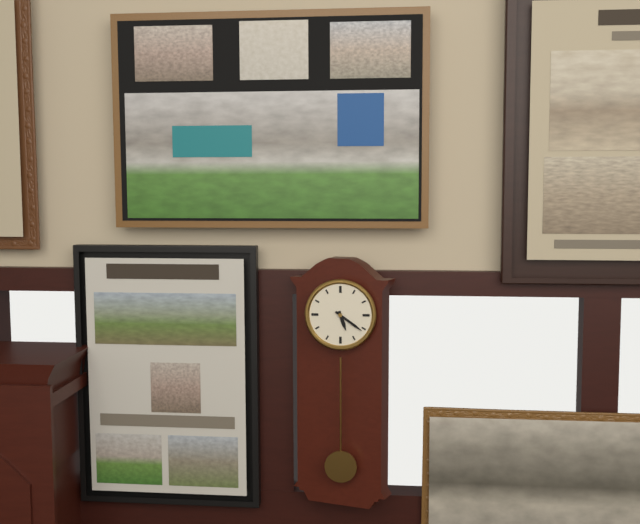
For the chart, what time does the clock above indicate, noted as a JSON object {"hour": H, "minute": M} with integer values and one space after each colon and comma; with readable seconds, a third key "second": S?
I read {"hour": 5, "minute": 21}
